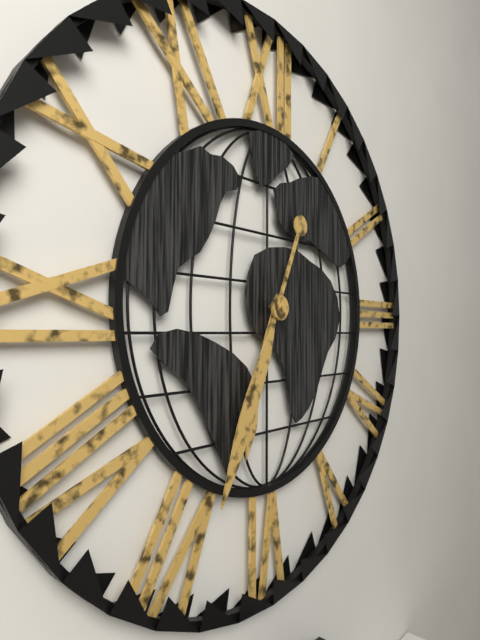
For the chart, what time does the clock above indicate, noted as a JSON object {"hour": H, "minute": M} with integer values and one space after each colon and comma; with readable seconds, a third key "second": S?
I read {"hour": 6, "minute": 34}
